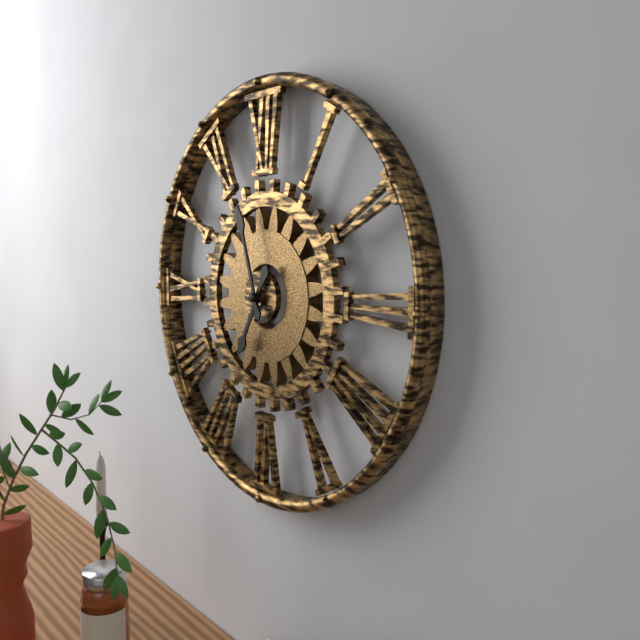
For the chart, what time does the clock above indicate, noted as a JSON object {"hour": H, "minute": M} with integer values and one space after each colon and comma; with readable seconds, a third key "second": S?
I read {"hour": 6, "minute": 57}
